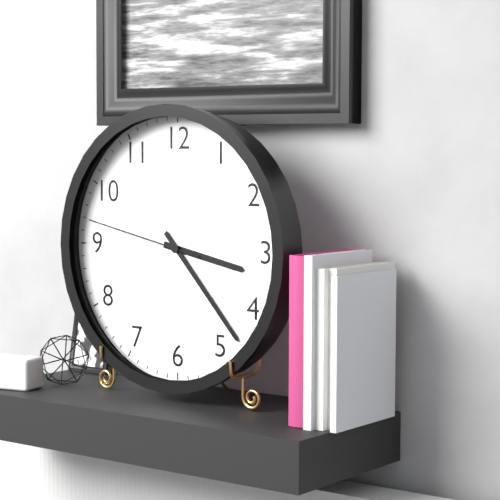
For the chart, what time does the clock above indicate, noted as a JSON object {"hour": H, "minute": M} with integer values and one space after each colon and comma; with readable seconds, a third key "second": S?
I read {"hour": 3, "minute": 23, "second": 47}
